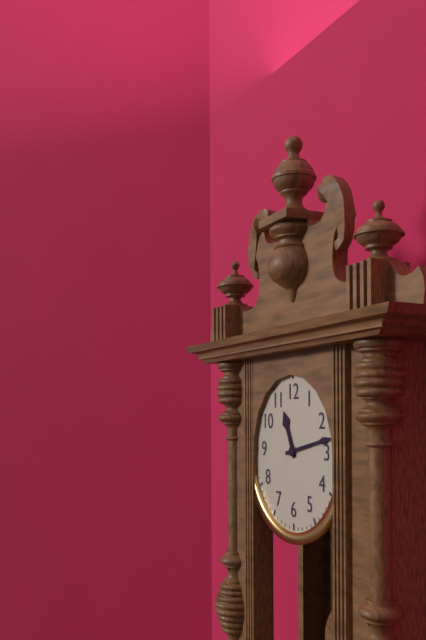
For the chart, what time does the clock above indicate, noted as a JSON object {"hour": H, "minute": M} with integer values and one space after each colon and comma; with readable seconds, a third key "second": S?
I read {"hour": 11, "minute": 13}
